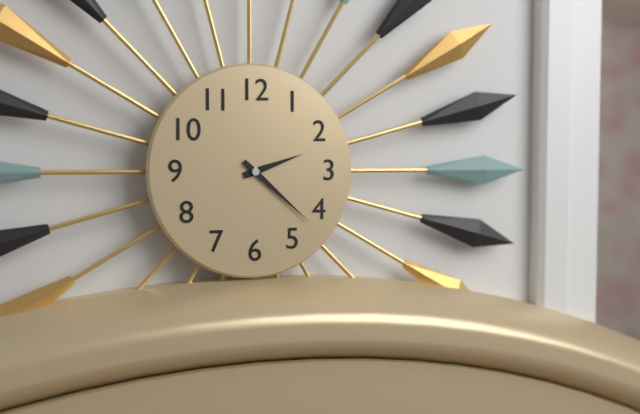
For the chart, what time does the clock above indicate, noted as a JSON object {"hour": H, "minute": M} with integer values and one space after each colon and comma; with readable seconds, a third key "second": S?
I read {"hour": 2, "minute": 22}
